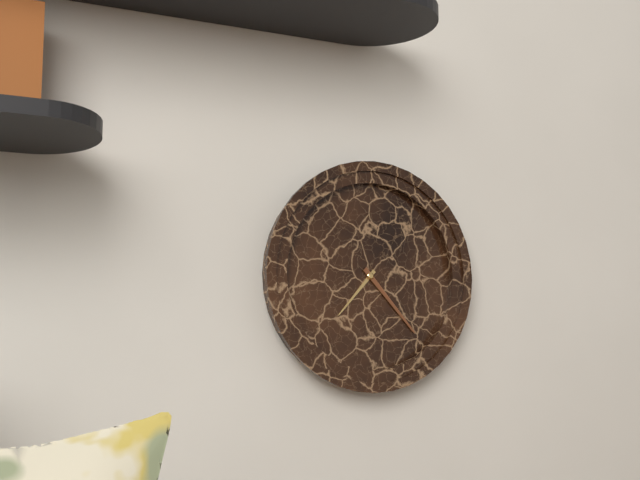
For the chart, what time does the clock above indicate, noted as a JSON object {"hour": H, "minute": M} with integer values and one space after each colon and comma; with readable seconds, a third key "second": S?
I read {"hour": 7, "minute": 23}
